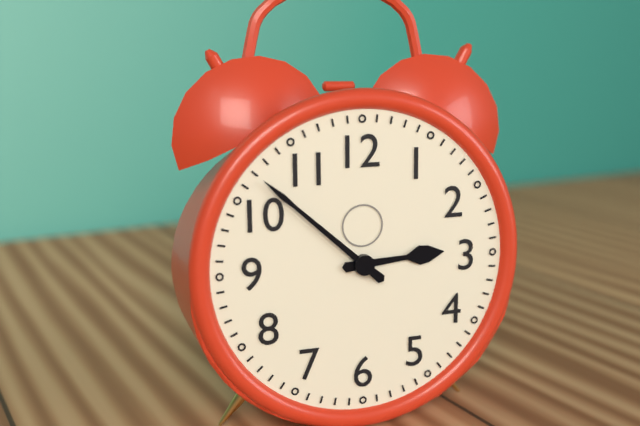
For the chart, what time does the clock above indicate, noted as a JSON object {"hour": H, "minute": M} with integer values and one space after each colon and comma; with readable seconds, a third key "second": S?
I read {"hour": 2, "minute": 52}
